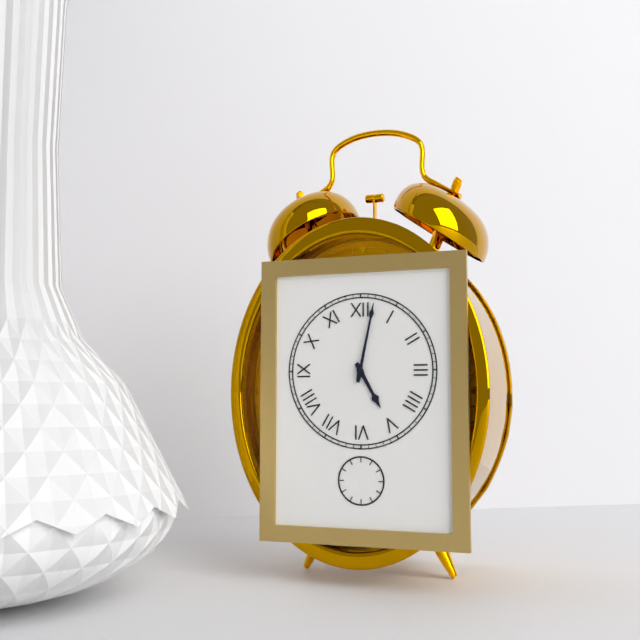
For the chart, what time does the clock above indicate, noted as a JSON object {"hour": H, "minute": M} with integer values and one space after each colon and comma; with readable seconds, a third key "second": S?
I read {"hour": 5, "minute": 2}
